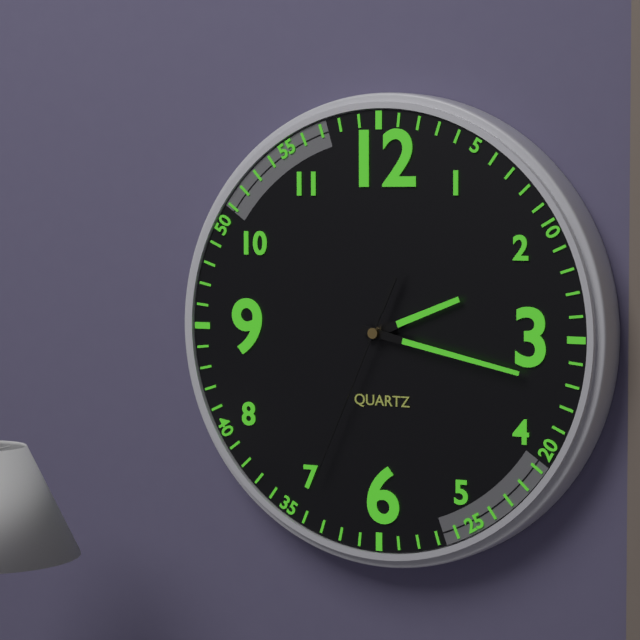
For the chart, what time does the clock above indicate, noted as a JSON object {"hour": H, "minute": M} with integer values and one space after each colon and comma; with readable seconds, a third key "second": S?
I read {"hour": 2, "minute": 17, "second": 34}
